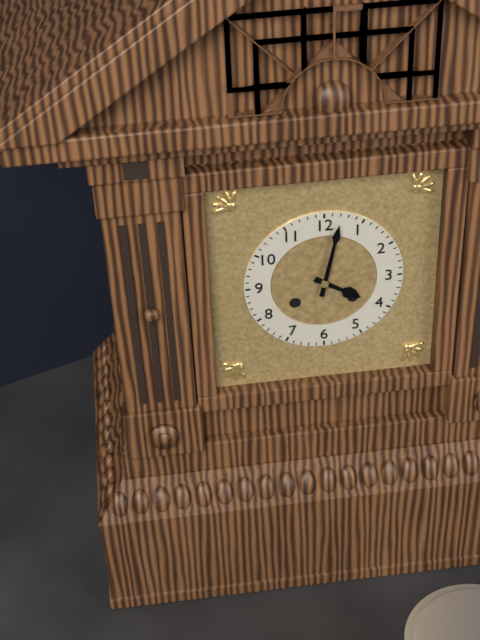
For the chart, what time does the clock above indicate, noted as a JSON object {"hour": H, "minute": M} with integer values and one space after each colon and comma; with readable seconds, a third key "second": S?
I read {"hour": 4, "minute": 2}
